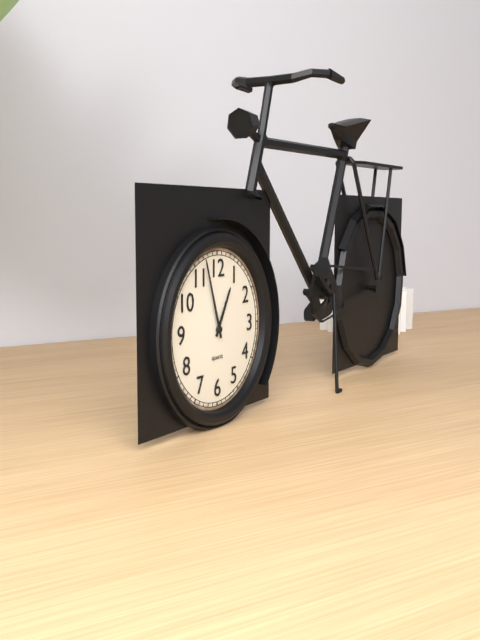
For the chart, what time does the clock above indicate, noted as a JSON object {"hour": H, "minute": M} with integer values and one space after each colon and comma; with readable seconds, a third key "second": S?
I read {"hour": 12, "minute": 57}
